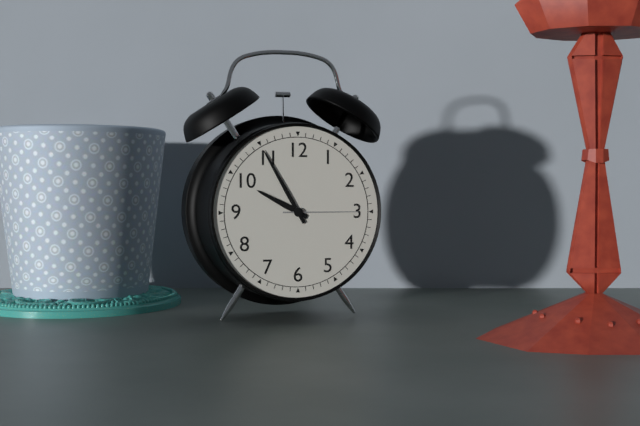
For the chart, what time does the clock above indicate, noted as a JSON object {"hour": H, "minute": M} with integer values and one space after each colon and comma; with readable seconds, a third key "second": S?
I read {"hour": 9, "minute": 55, "second": 15}
